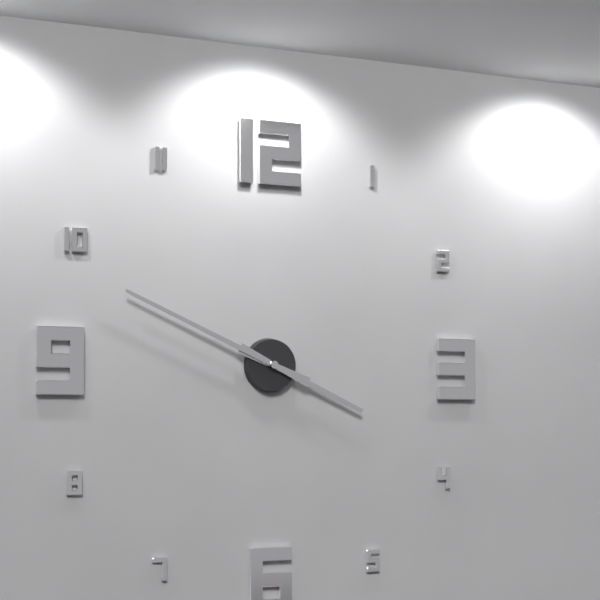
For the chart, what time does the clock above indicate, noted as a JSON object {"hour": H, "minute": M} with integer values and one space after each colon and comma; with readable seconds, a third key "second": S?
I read {"hour": 3, "minute": 49}
